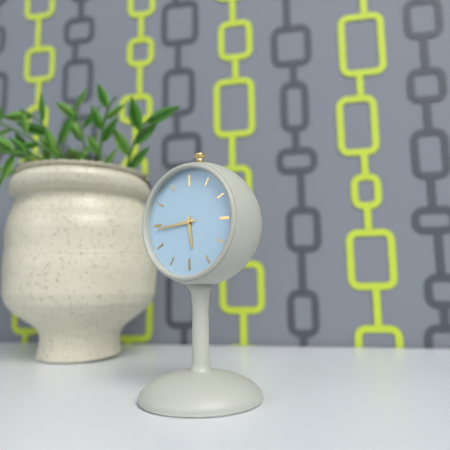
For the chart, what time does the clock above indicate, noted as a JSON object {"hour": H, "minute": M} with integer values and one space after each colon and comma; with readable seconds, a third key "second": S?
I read {"hour": 5, "minute": 44}
